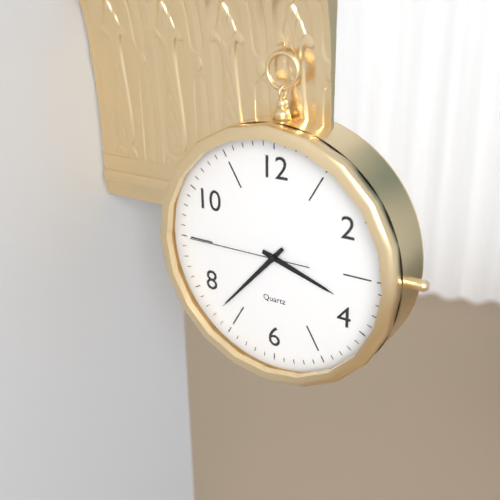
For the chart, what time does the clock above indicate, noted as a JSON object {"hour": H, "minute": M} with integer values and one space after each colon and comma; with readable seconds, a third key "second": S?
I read {"hour": 3, "minute": 37, "second": 45}
